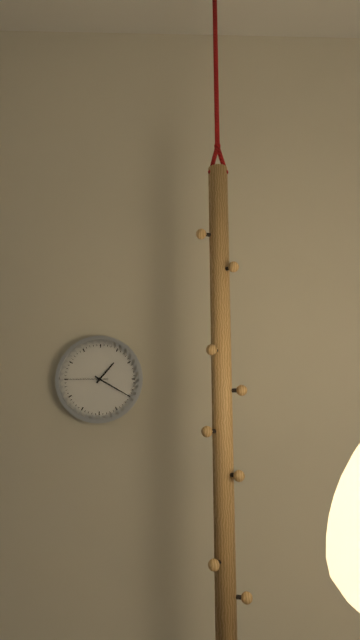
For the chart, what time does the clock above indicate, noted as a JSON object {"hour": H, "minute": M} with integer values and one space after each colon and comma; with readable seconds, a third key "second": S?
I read {"hour": 1, "minute": 20}
